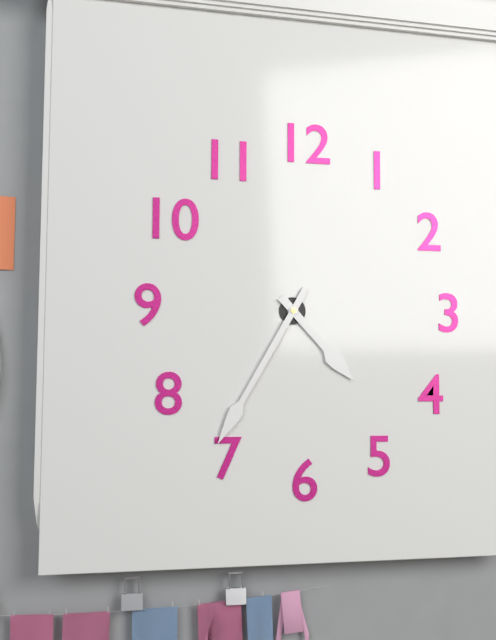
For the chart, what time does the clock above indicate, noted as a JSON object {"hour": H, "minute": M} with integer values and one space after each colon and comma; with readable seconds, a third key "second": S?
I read {"hour": 4, "minute": 35}
